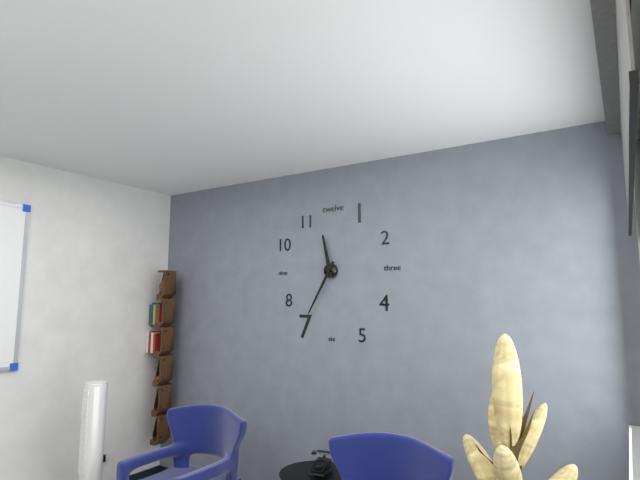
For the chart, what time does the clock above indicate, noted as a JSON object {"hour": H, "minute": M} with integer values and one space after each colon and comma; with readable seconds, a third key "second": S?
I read {"hour": 11, "minute": 35}
